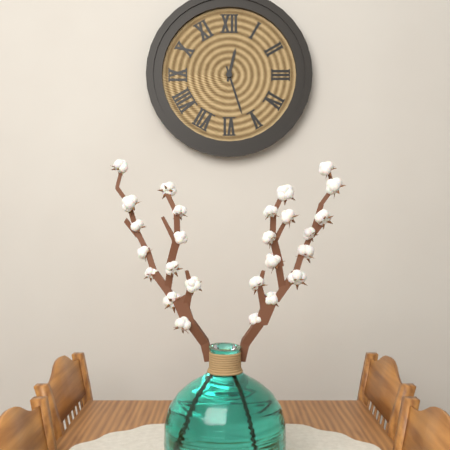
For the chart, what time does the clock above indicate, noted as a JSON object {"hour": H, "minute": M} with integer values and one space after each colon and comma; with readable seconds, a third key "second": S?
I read {"hour": 12, "minute": 27}
